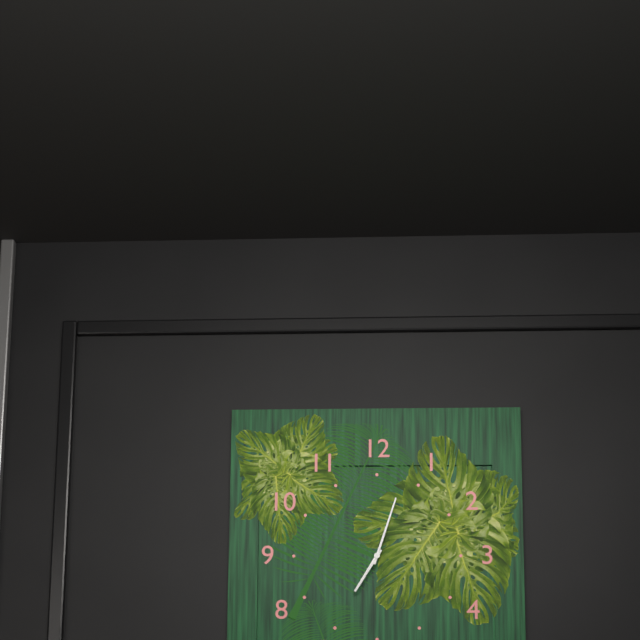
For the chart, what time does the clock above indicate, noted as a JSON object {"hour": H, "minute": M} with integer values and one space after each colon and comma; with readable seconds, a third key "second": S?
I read {"hour": 7, "minute": 3}
